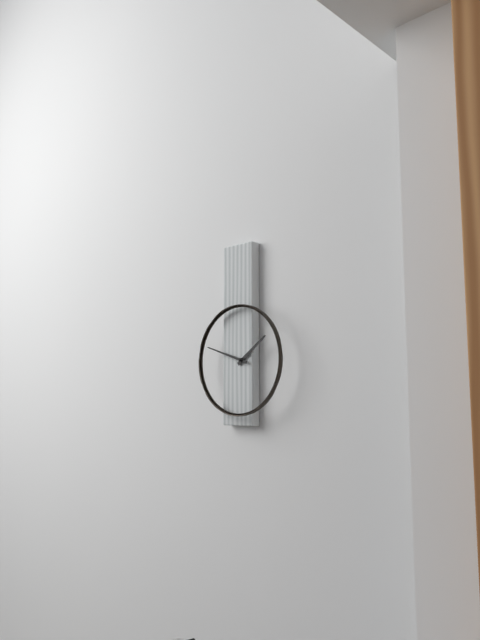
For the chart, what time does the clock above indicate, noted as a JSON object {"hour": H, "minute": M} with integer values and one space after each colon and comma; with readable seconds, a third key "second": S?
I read {"hour": 1, "minute": 48}
